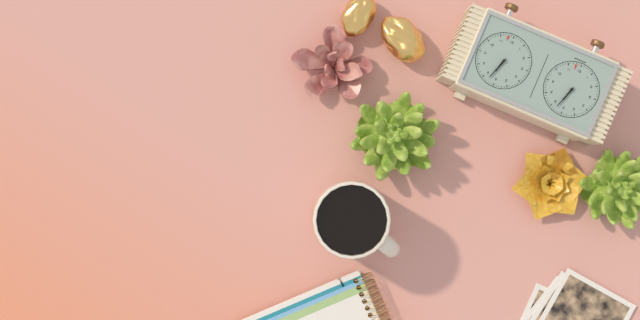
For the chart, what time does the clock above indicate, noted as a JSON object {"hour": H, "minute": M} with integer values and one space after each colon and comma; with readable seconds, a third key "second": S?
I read {"hour": 6, "minute": 33}
